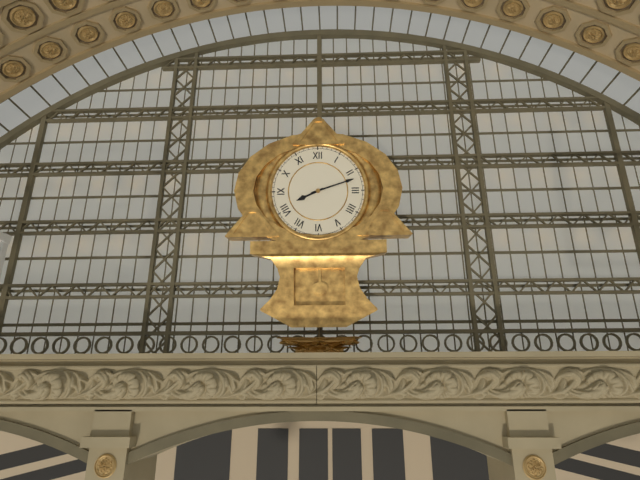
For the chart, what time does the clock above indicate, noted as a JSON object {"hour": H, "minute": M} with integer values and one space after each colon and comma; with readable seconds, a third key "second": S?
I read {"hour": 8, "minute": 12}
